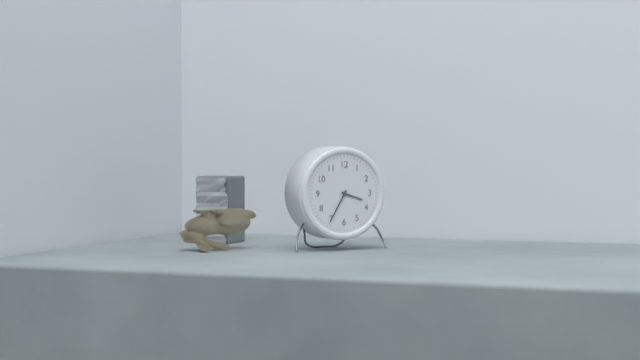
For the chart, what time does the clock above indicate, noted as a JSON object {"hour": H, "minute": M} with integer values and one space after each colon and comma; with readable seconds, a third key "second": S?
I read {"hour": 3, "minute": 35}
